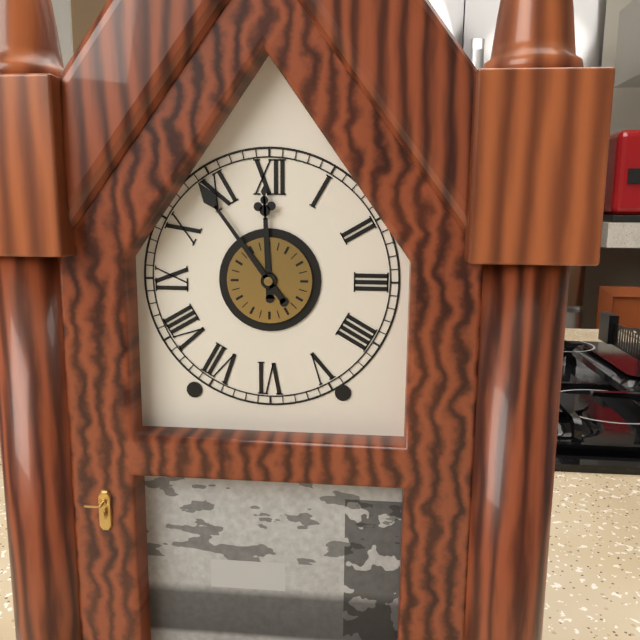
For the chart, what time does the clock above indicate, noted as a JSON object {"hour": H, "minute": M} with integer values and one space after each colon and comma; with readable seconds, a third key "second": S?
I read {"hour": 11, "minute": 54}
